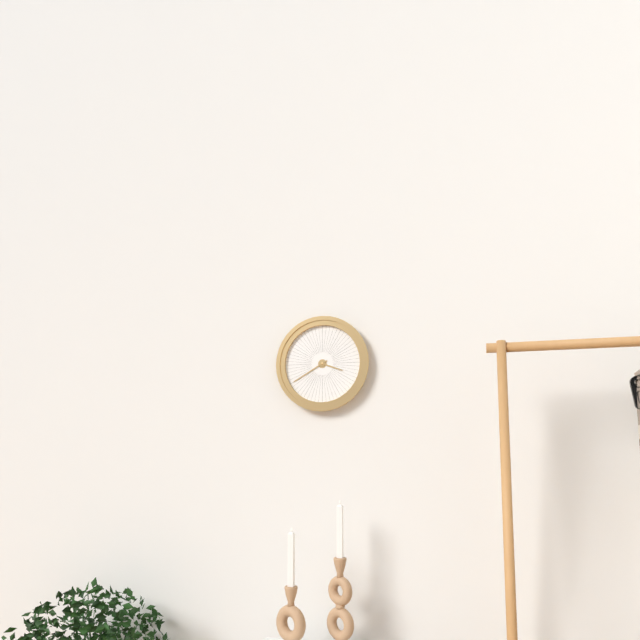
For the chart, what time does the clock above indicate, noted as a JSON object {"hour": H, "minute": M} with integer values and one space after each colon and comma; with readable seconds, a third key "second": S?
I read {"hour": 3, "minute": 40}
